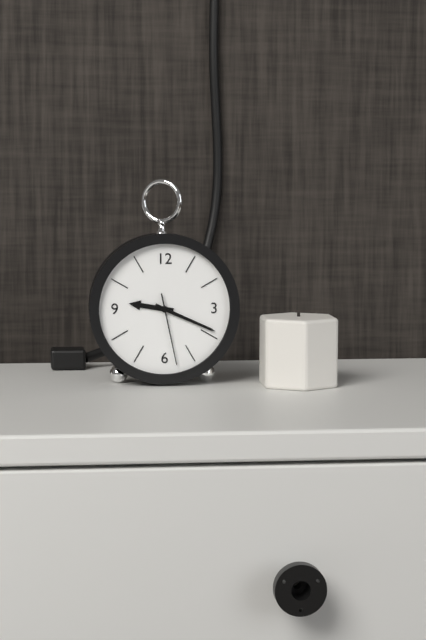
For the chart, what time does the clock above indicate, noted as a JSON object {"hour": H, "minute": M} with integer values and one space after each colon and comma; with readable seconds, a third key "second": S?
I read {"hour": 9, "minute": 19, "second": 28}
